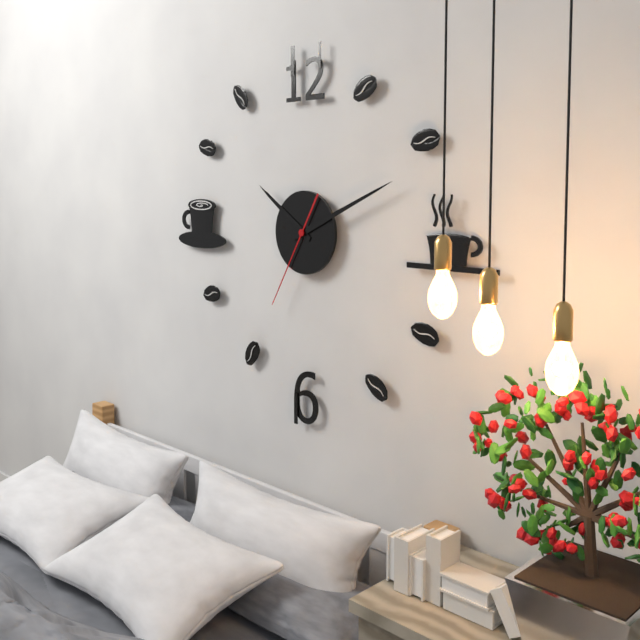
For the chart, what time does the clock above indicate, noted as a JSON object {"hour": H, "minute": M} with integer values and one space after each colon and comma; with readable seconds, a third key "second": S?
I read {"hour": 10, "minute": 11, "second": 35}
